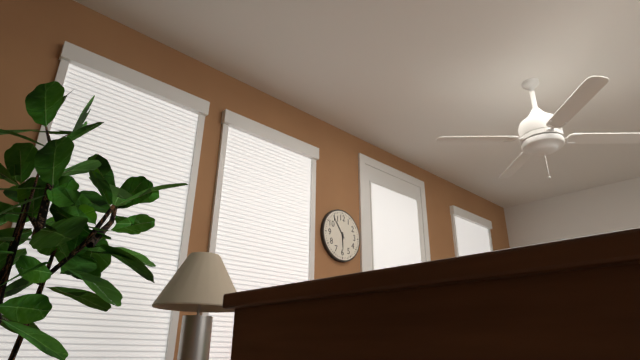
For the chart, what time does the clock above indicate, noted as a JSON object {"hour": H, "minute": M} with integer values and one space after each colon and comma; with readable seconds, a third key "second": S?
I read {"hour": 5, "minute": 54}
